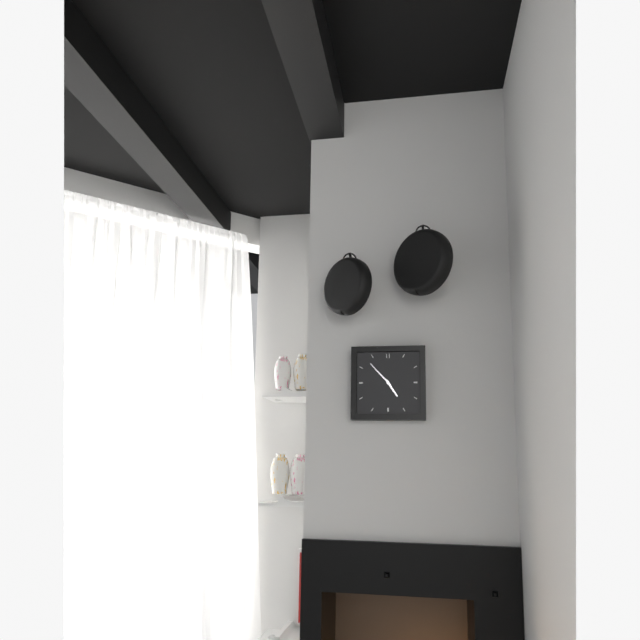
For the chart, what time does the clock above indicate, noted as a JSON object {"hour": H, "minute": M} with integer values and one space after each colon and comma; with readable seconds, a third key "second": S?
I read {"hour": 4, "minute": 53}
